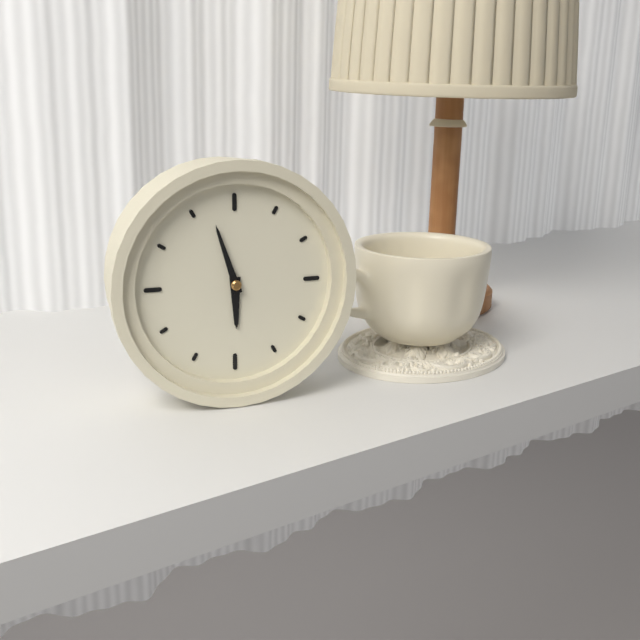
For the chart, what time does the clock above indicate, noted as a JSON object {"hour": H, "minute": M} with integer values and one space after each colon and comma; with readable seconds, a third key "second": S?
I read {"hour": 5, "minute": 57}
